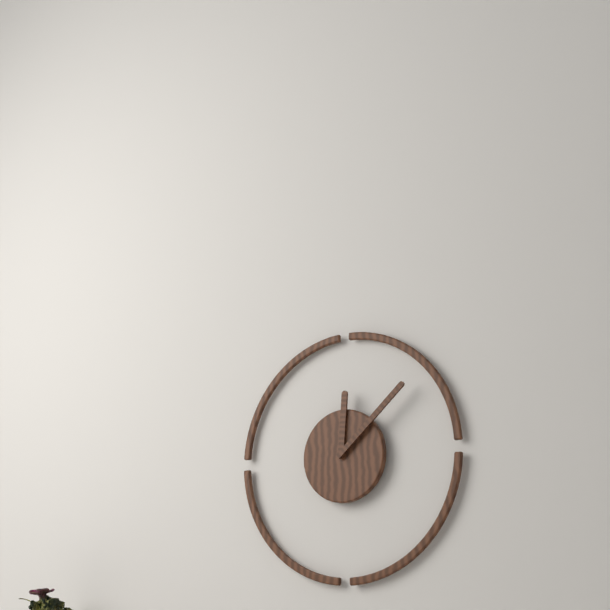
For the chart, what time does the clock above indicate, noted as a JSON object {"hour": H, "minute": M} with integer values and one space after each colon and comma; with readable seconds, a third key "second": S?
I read {"hour": 12, "minute": 8}
